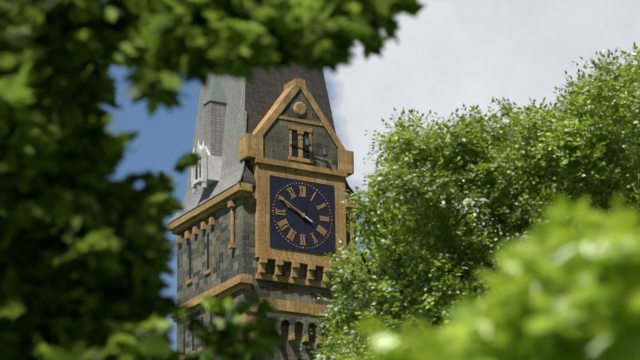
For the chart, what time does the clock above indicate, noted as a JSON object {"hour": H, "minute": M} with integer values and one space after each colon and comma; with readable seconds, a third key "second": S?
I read {"hour": 9, "minute": 50}
